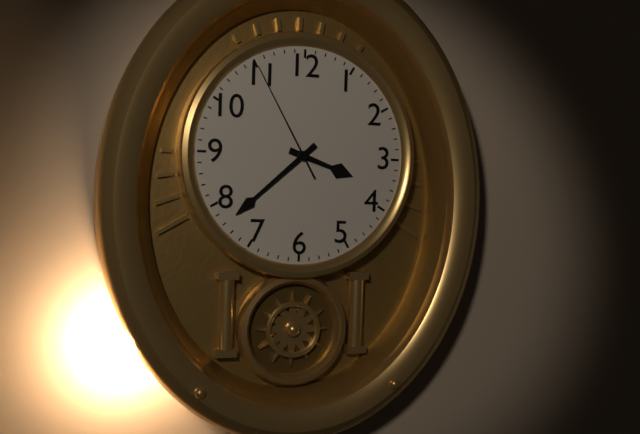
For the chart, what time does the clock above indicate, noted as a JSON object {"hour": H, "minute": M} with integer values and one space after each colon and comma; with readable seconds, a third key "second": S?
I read {"hour": 3, "minute": 38, "second": 55}
